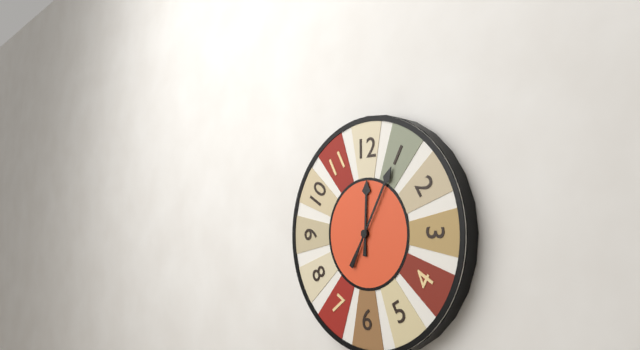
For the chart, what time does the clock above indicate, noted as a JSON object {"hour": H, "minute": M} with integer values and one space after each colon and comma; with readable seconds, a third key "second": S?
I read {"hour": 12, "minute": 5}
